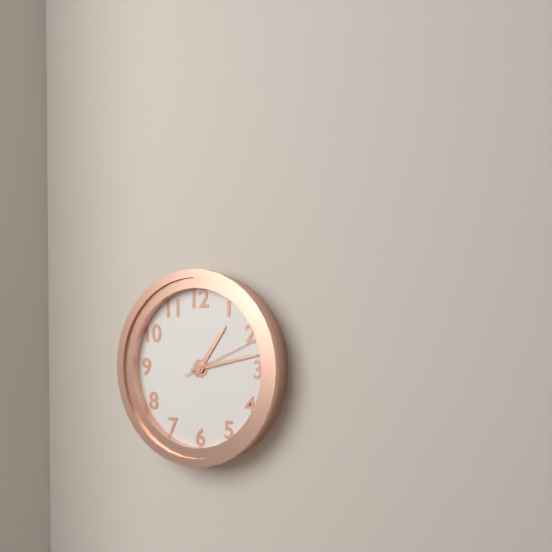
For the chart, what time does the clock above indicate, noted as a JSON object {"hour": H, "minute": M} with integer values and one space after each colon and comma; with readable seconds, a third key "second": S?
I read {"hour": 1, "minute": 13, "second": 11}
